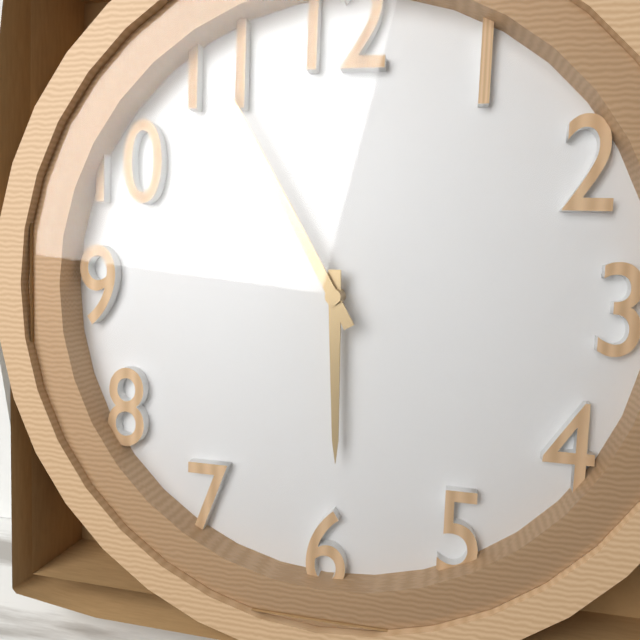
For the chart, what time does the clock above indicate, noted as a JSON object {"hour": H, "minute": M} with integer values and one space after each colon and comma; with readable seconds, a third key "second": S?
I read {"hour": 5, "minute": 55}
